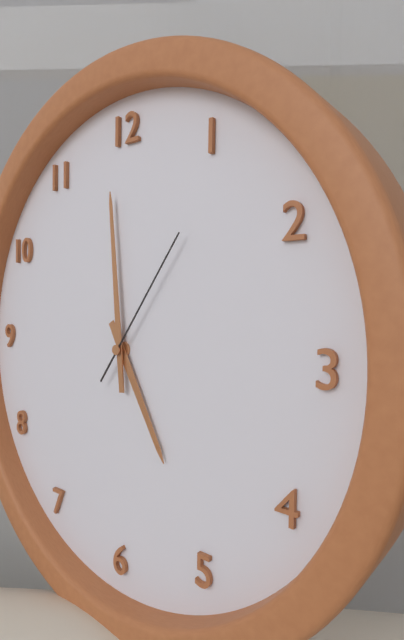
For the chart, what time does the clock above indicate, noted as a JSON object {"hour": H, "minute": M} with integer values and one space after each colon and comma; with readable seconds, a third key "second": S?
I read {"hour": 4, "minute": 59, "second": 6}
